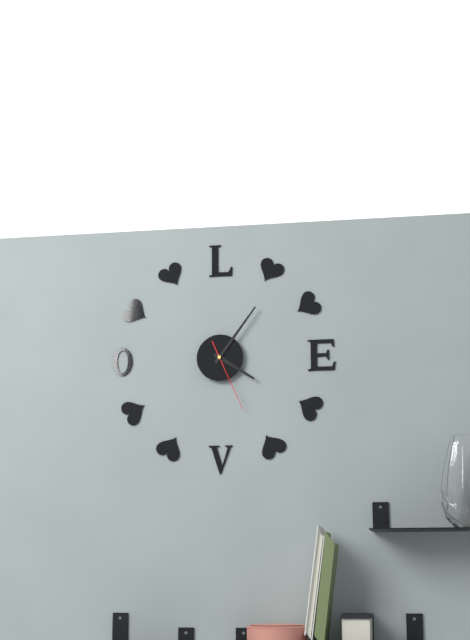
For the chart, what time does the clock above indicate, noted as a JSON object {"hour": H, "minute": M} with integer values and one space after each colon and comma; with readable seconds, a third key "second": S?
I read {"hour": 4, "minute": 6, "second": 26}
